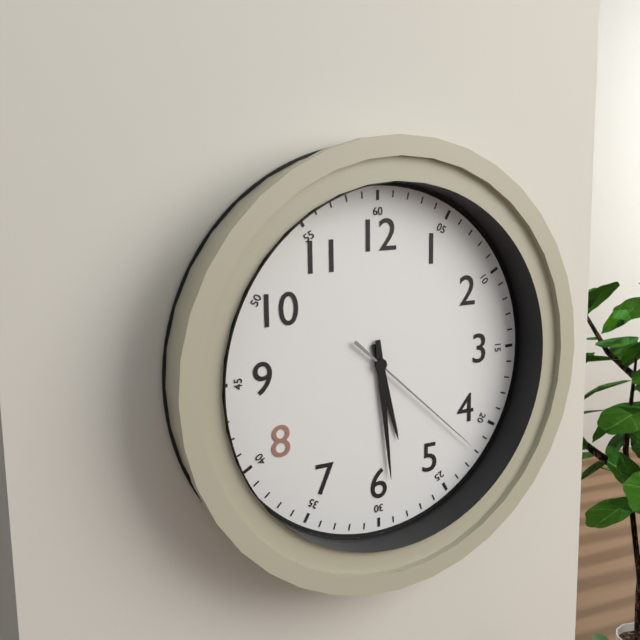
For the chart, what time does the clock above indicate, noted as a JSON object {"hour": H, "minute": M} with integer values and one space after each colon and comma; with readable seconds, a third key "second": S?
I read {"hour": 5, "minute": 29, "second": 22}
